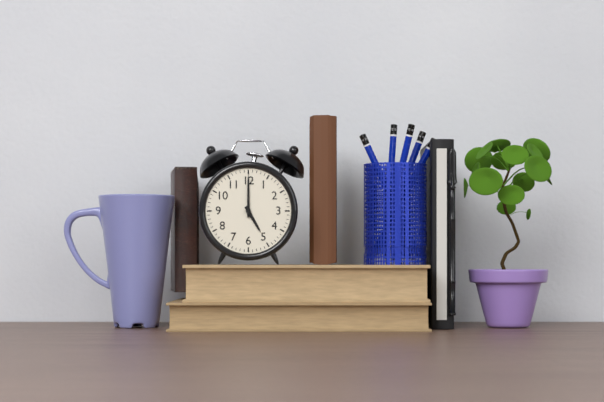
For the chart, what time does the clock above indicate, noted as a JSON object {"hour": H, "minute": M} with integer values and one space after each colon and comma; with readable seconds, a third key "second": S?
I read {"hour": 5, "minute": 0}
